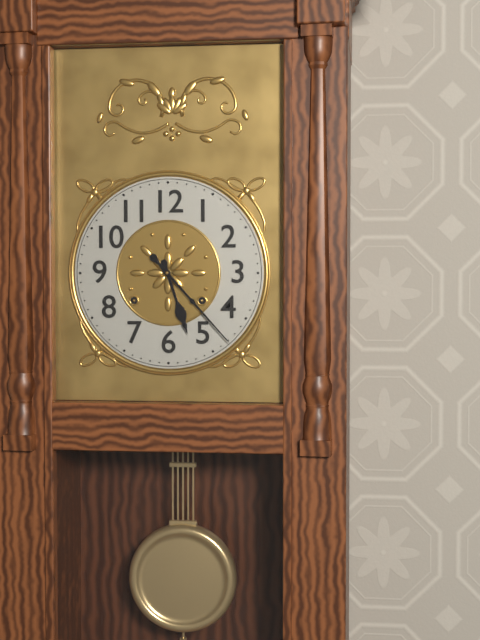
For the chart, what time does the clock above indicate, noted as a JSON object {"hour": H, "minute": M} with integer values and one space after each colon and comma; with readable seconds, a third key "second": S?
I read {"hour": 5, "minute": 23}
